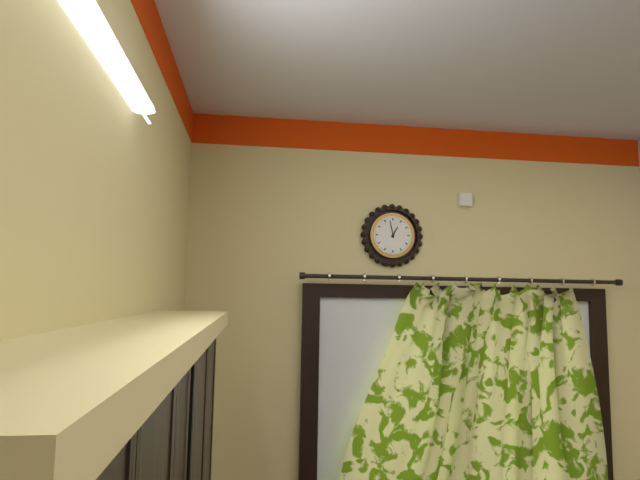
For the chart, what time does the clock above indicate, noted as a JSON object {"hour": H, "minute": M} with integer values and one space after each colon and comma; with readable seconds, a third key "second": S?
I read {"hour": 12, "minute": 58}
